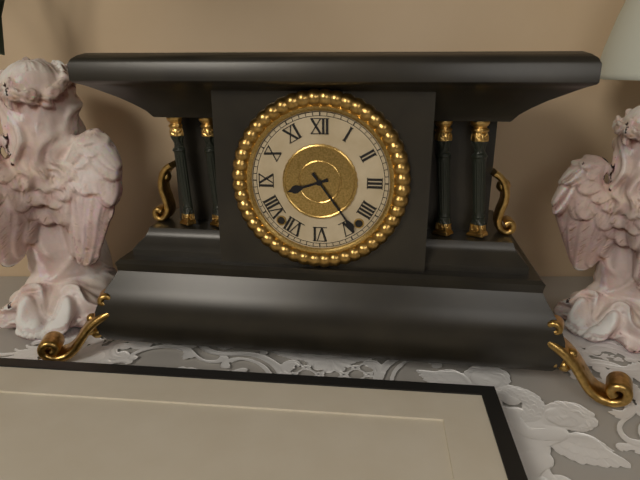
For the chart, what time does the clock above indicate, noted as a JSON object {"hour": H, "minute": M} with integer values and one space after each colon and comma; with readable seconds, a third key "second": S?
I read {"hour": 8, "minute": 24}
